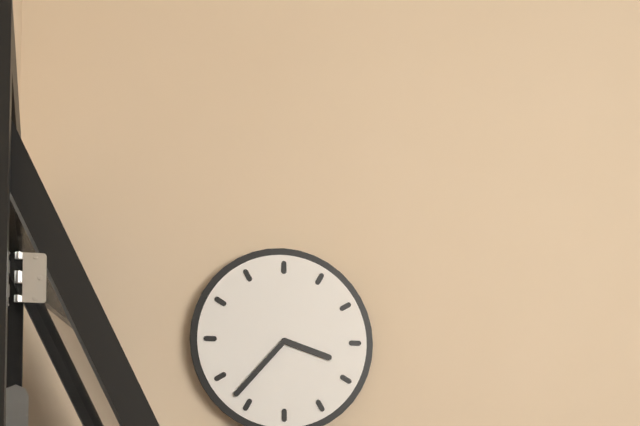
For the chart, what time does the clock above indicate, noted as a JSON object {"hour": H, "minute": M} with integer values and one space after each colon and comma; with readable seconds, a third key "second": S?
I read {"hour": 3, "minute": 37}
